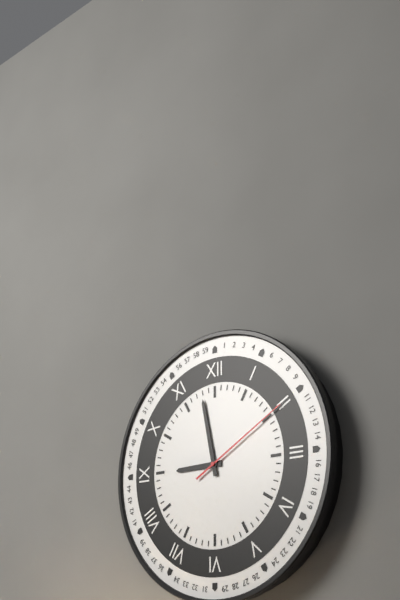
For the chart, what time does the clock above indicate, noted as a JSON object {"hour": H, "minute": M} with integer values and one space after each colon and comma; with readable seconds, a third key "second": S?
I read {"hour": 8, "minute": 58, "second": 10}
